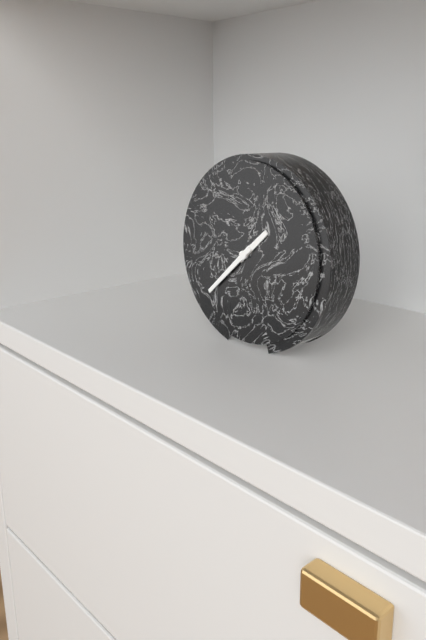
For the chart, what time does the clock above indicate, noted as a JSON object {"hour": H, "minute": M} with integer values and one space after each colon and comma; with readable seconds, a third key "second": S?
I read {"hour": 1, "minute": 38}
